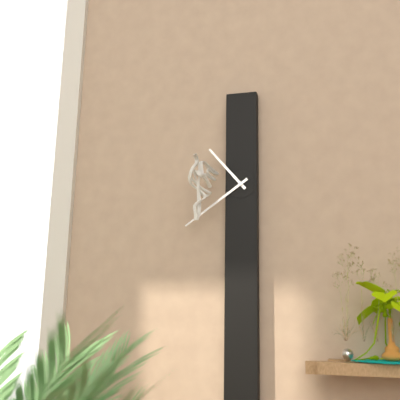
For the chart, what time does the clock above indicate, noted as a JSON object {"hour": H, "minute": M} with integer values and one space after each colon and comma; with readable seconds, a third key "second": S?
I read {"hour": 10, "minute": 39}
